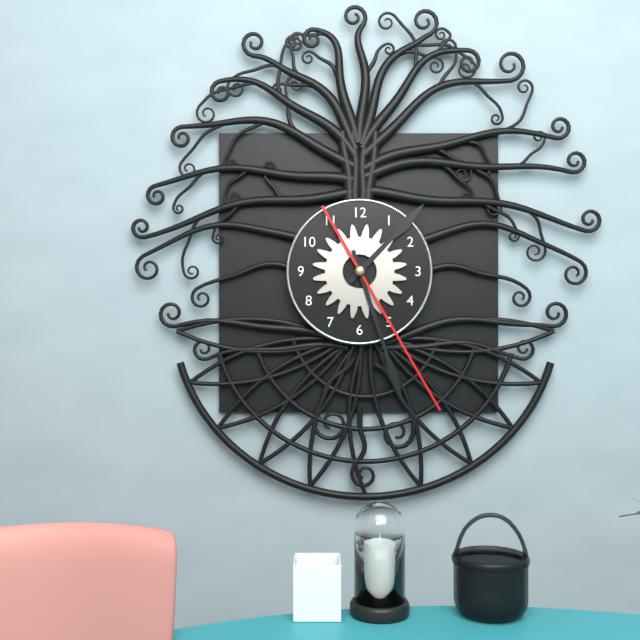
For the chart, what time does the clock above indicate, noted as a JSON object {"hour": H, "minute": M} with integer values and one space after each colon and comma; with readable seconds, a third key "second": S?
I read {"hour": 1, "minute": 27, "second": 25}
